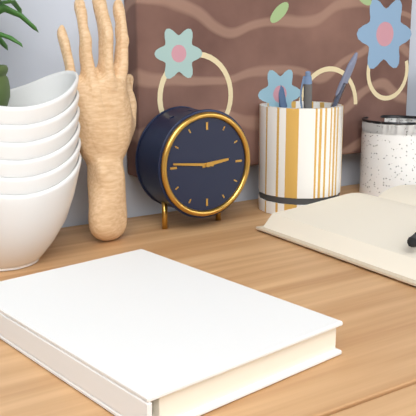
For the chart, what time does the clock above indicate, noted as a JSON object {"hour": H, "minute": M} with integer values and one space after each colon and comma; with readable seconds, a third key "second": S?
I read {"hour": 2, "minute": 46}
